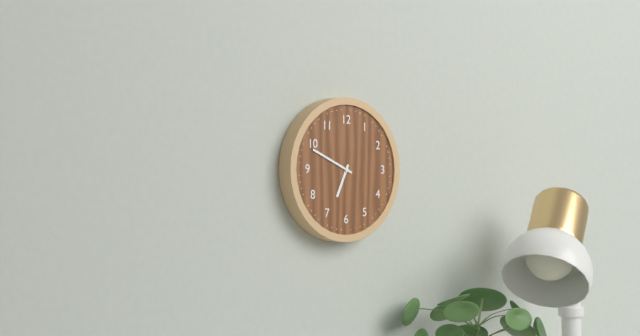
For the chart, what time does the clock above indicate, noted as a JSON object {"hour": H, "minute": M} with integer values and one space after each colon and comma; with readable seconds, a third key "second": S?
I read {"hour": 6, "minute": 49}
